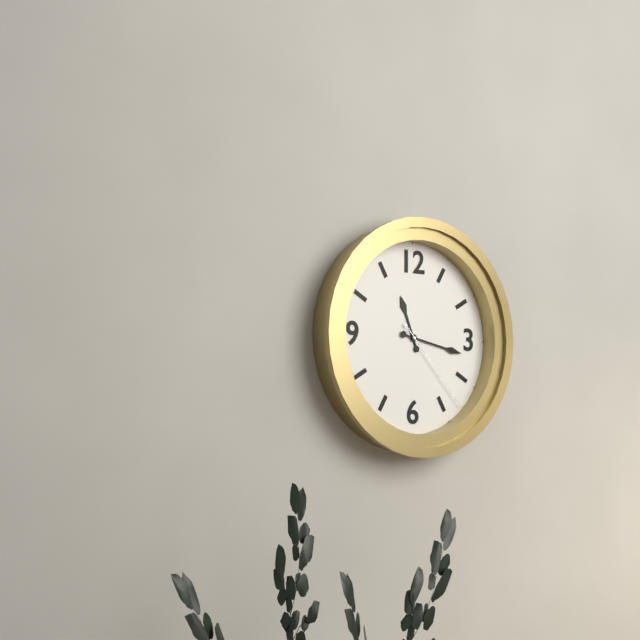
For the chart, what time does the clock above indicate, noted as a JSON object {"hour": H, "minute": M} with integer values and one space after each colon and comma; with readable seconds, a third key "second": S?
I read {"hour": 11, "minute": 17, "second": 23}
